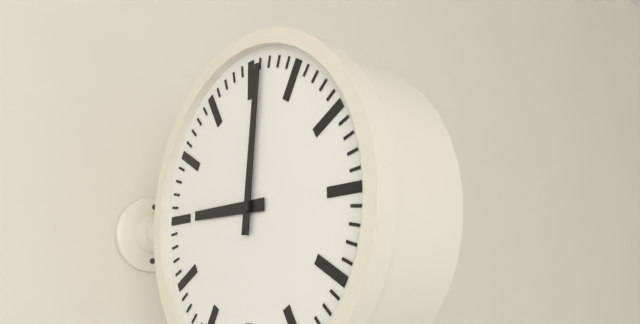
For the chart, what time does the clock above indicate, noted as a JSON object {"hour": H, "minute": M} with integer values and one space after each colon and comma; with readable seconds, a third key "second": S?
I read {"hour": 9, "minute": 1}
